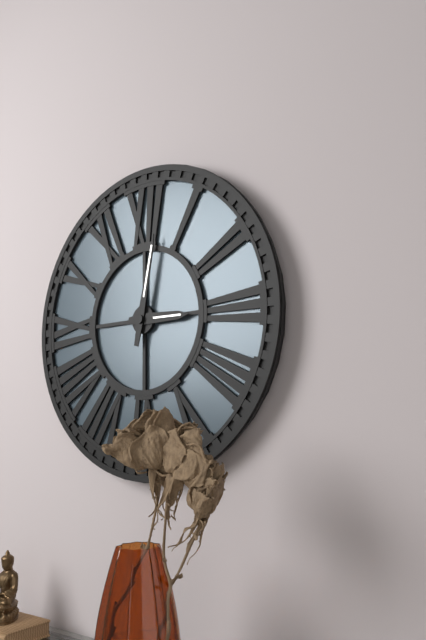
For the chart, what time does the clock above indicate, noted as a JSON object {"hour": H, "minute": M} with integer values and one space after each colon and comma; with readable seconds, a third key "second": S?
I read {"hour": 3, "minute": 2}
